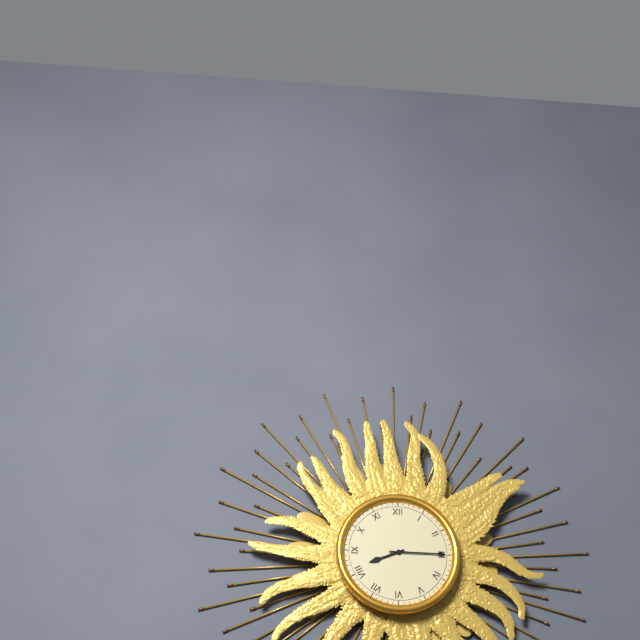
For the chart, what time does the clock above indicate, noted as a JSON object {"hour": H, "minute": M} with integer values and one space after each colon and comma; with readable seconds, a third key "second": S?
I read {"hour": 8, "minute": 15}
